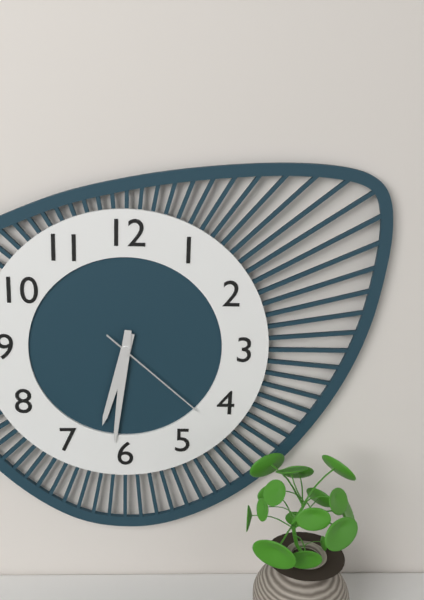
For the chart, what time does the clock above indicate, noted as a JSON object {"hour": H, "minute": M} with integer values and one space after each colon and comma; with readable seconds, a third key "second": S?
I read {"hour": 6, "minute": 31, "second": 22}
